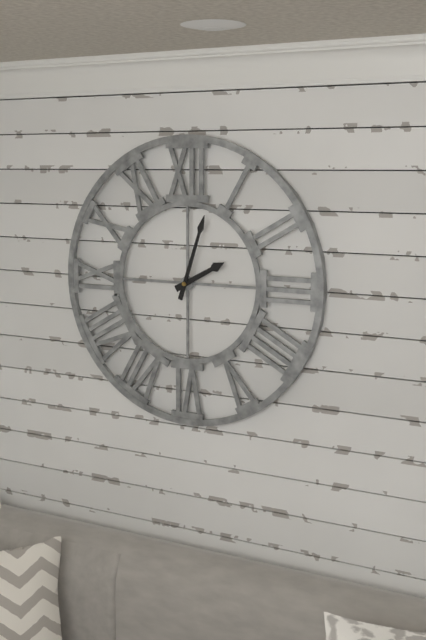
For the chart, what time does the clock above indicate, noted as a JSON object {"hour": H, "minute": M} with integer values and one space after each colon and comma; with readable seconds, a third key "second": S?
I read {"hour": 2, "minute": 3}
